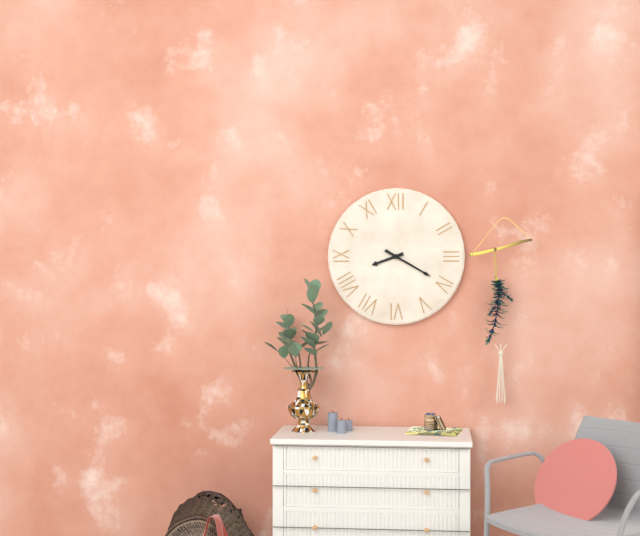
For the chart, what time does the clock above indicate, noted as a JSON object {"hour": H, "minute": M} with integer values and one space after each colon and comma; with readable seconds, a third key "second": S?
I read {"hour": 8, "minute": 20}
